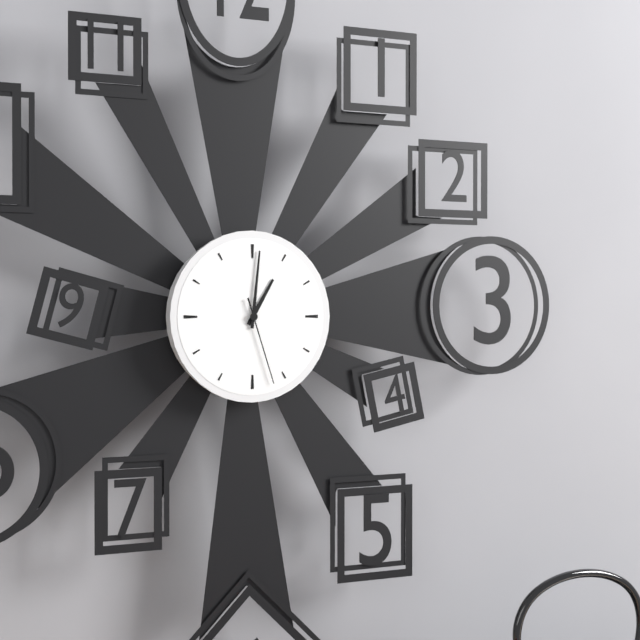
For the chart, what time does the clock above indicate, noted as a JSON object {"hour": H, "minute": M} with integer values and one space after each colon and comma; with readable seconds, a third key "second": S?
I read {"hour": 1, "minute": 1, "second": 27}
